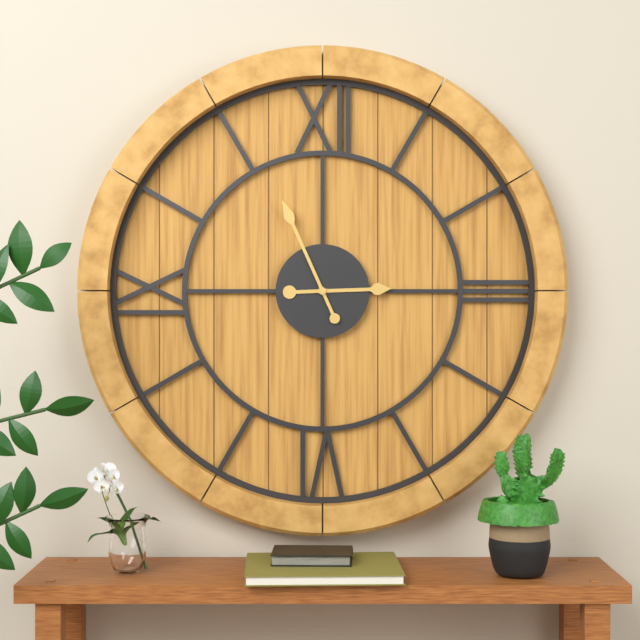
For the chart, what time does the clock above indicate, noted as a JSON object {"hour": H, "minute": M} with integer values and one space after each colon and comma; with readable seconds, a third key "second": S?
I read {"hour": 2, "minute": 56}
